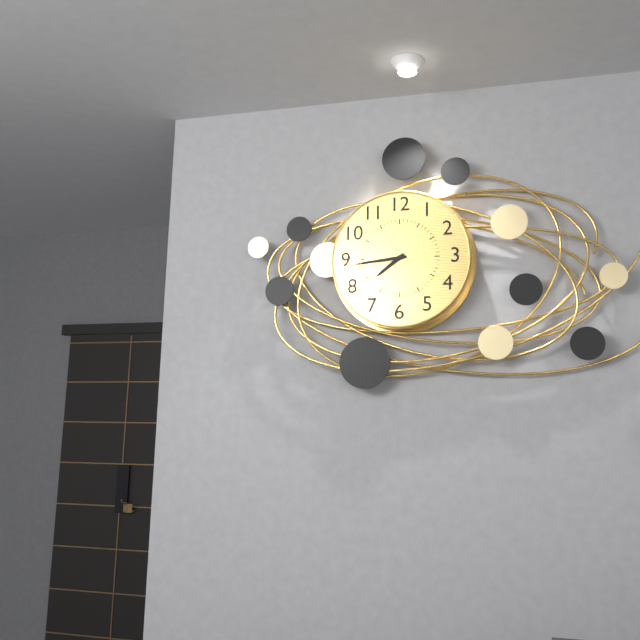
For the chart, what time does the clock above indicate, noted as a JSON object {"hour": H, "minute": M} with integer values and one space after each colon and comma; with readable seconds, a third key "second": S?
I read {"hour": 7, "minute": 44}
